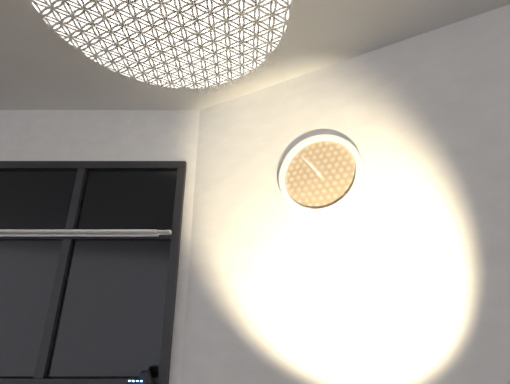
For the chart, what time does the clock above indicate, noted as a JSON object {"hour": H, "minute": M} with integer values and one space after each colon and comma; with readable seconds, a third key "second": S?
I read {"hour": 10, "minute": 54}
